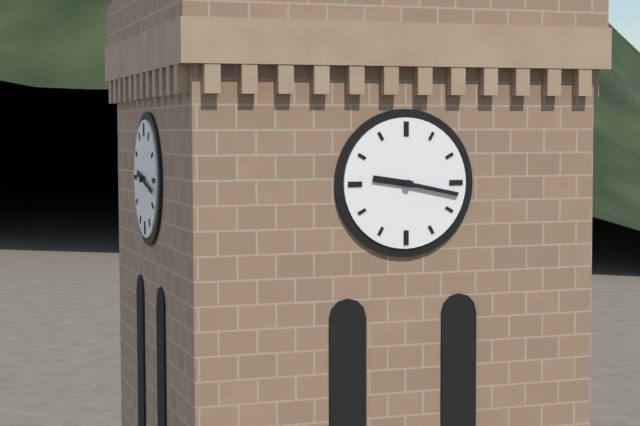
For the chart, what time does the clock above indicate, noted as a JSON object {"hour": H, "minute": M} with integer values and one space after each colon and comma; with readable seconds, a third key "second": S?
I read {"hour": 9, "minute": 17}
